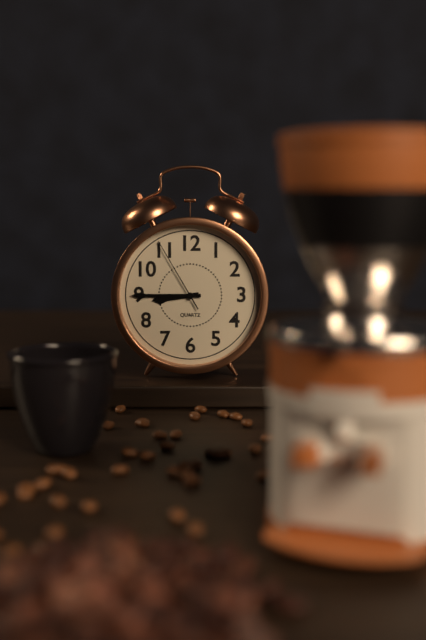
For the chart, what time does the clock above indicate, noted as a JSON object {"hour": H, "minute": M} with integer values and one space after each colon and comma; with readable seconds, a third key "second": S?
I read {"hour": 8, "minute": 45, "second": 55}
